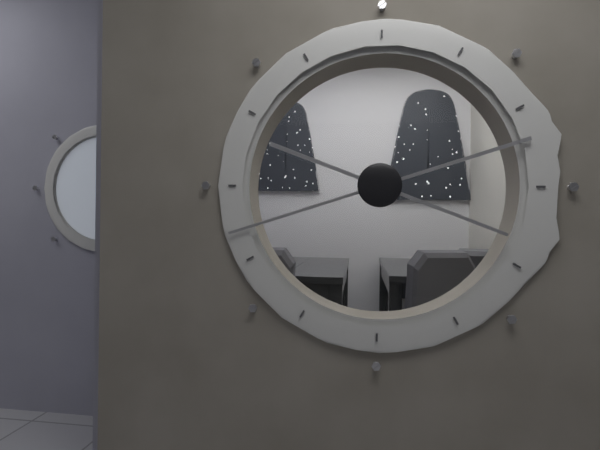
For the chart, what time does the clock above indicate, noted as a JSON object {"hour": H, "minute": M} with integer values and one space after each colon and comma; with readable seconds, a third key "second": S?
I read {"hour": 3, "minute": 42}
